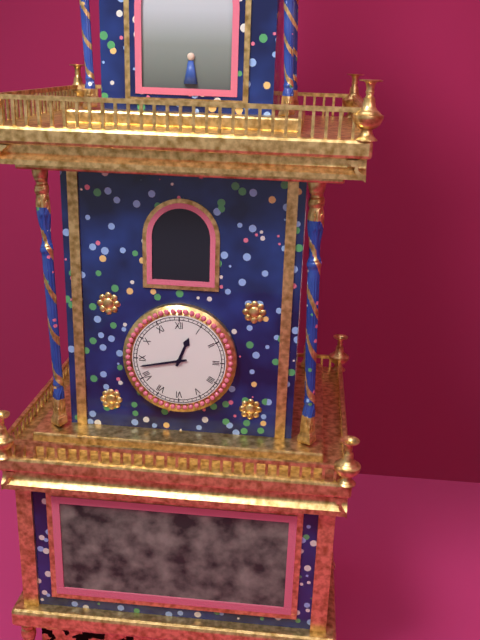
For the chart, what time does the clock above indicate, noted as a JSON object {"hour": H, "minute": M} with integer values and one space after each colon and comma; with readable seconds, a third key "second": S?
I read {"hour": 12, "minute": 43}
